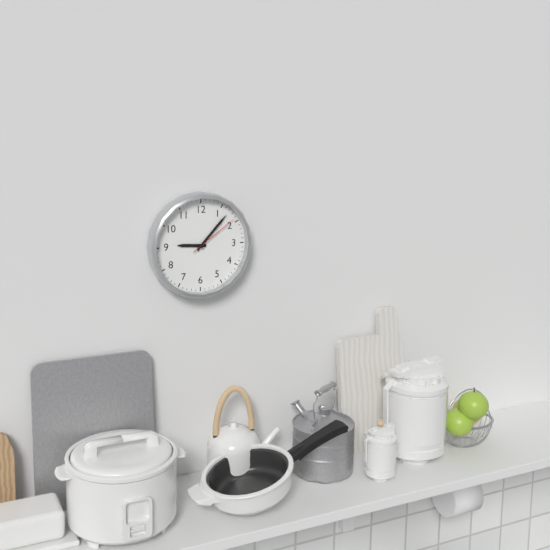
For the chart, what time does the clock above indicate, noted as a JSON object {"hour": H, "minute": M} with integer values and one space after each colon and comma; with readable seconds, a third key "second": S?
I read {"hour": 9, "minute": 7, "second": 9}
